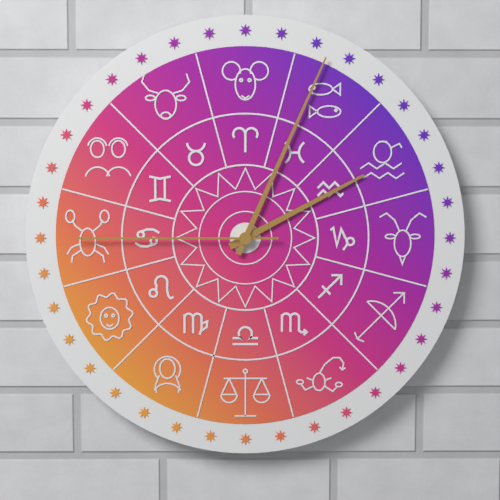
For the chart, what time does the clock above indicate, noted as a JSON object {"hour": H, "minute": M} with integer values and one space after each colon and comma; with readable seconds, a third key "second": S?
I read {"hour": 2, "minute": 4, "second": 45}
